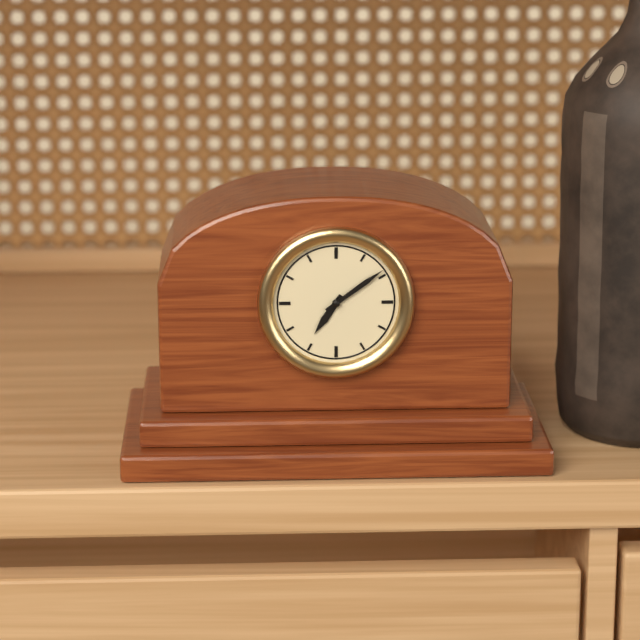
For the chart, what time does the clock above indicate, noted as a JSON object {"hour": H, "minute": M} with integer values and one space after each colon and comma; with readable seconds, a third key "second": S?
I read {"hour": 7, "minute": 9}
